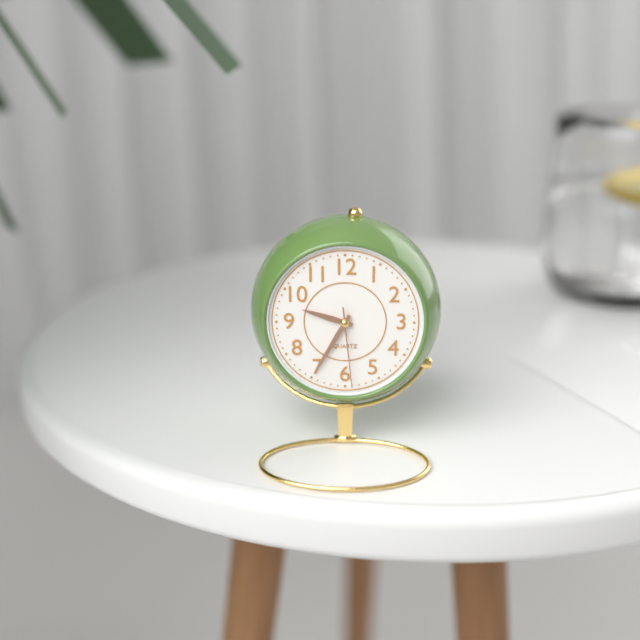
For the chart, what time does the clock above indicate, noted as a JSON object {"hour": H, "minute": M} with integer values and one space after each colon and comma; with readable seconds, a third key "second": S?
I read {"hour": 9, "minute": 35, "second": 29}
